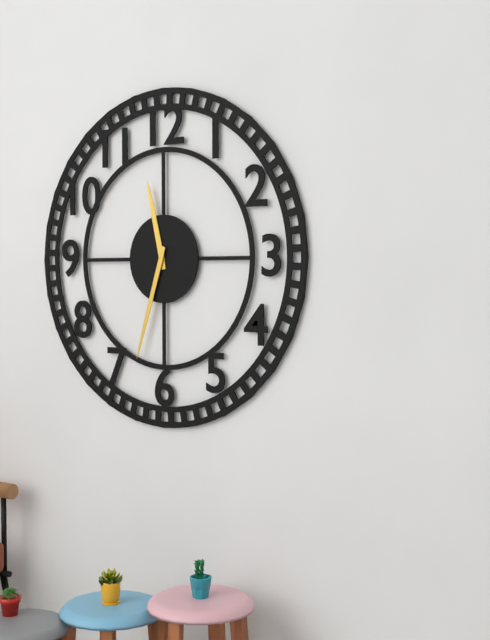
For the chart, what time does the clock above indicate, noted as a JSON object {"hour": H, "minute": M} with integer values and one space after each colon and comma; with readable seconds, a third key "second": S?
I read {"hour": 11, "minute": 33}
